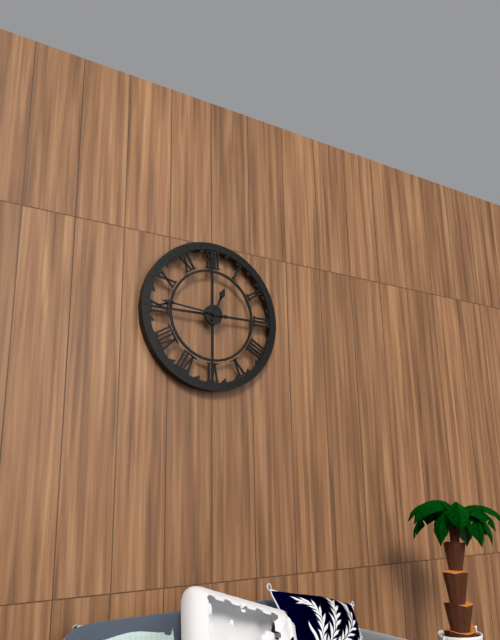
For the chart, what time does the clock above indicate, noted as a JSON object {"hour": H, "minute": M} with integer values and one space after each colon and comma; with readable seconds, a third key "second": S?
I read {"hour": 12, "minute": 46}
